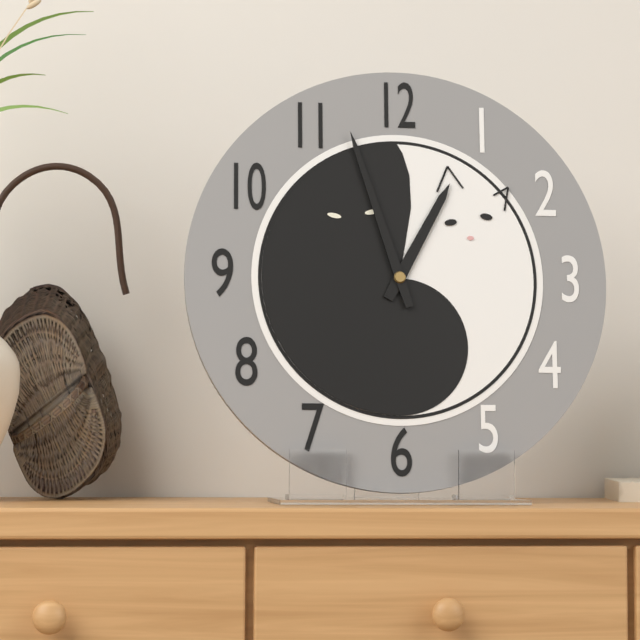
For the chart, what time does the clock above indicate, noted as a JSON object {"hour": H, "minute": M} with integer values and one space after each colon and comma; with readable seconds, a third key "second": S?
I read {"hour": 12, "minute": 57}
